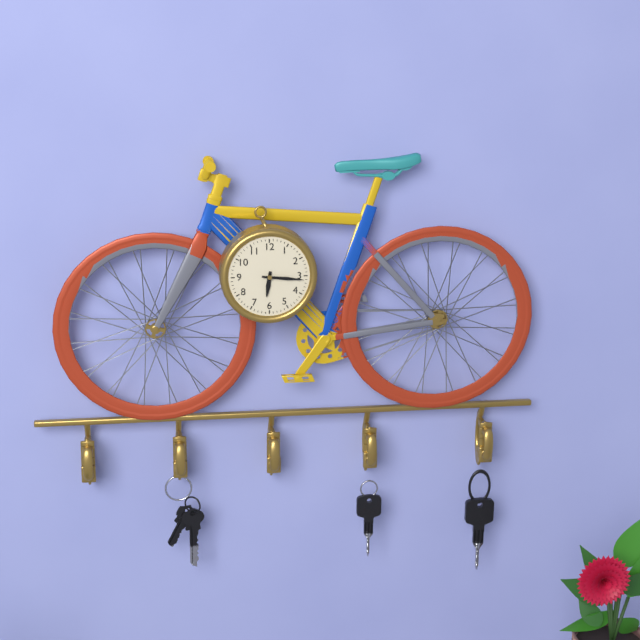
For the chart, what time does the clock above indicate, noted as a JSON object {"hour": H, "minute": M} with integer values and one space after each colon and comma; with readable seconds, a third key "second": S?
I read {"hour": 6, "minute": 16}
